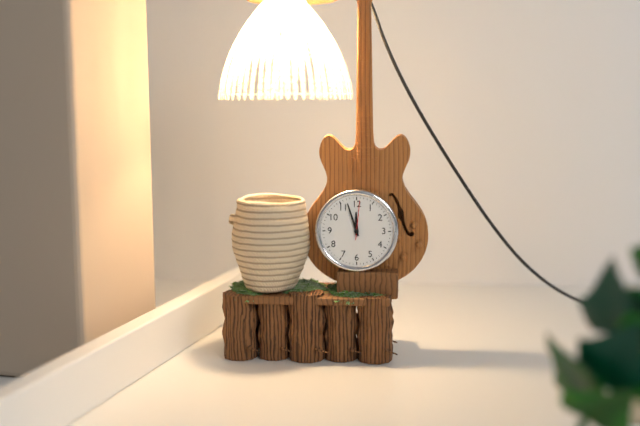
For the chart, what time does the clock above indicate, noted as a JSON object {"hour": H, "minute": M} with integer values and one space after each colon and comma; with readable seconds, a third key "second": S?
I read {"hour": 11, "minute": 57}
